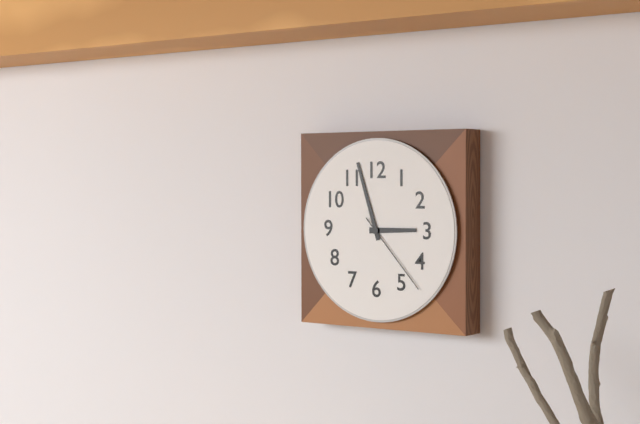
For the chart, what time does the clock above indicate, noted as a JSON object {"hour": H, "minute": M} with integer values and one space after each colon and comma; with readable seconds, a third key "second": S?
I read {"hour": 2, "minute": 57, "second": 23}
